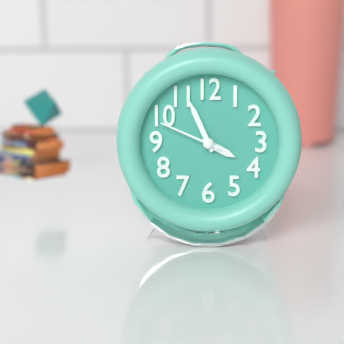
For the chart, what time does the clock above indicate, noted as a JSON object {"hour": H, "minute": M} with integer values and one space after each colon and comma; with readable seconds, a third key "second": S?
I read {"hour": 3, "minute": 56, "second": 49}
